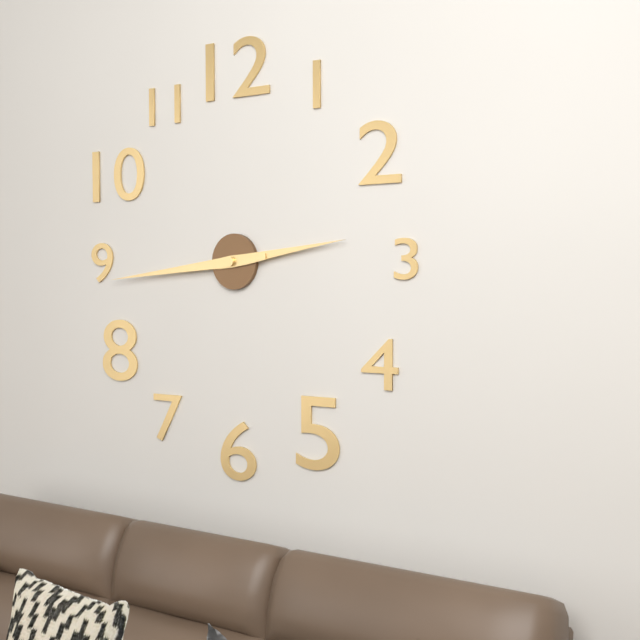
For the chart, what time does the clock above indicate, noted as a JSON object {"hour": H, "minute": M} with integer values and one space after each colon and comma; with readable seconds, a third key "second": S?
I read {"hour": 2, "minute": 44}
